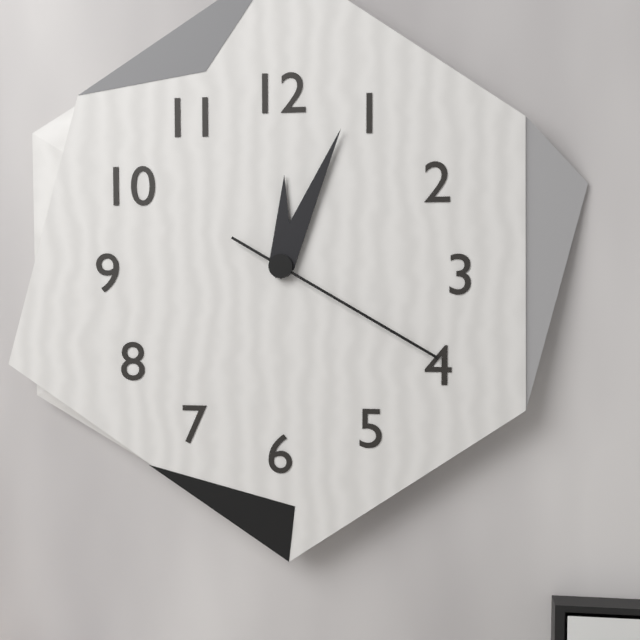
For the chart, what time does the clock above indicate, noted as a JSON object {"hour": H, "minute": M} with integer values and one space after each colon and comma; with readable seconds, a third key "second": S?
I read {"hour": 12, "minute": 4, "second": 20}
